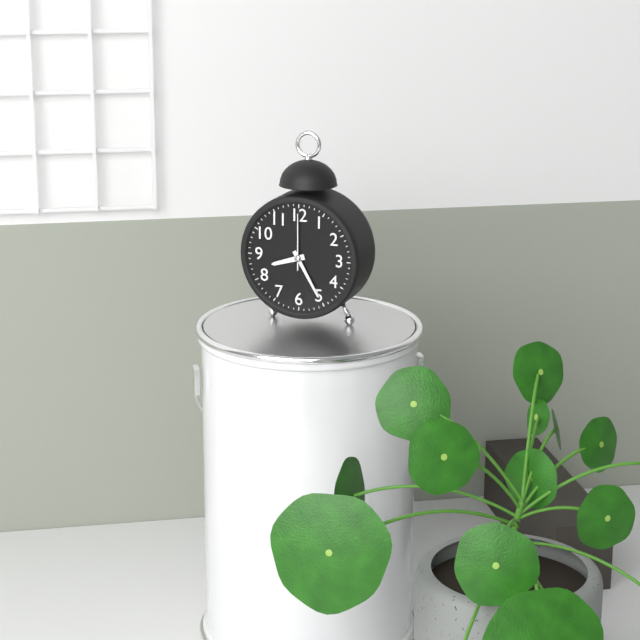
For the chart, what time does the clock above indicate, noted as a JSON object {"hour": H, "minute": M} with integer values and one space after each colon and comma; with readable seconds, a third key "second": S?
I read {"hour": 8, "minute": 25, "second": 0}
